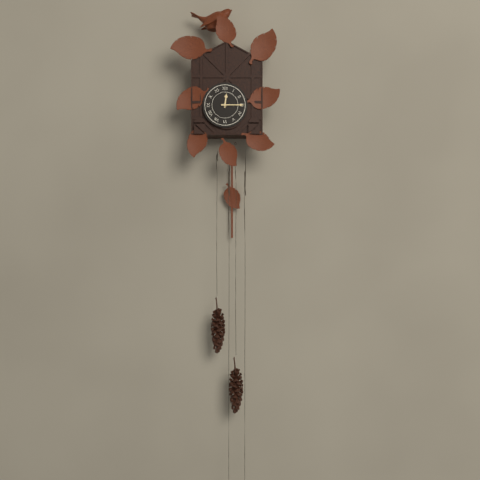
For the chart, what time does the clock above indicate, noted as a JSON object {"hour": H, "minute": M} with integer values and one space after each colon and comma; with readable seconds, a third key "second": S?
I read {"hour": 12, "minute": 15}
